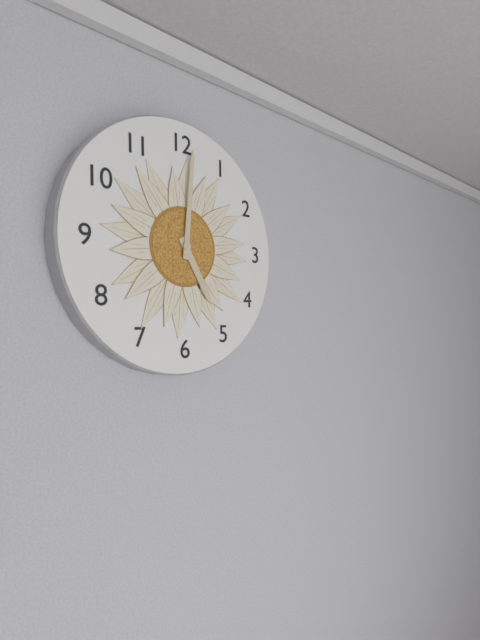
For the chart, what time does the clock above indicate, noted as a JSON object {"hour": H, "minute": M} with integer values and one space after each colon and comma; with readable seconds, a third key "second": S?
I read {"hour": 5, "minute": 1}
